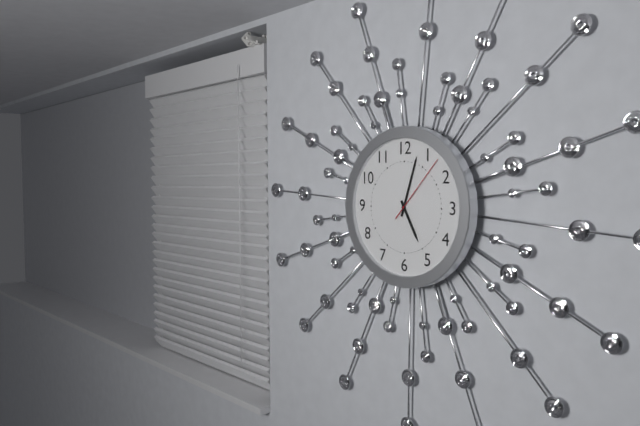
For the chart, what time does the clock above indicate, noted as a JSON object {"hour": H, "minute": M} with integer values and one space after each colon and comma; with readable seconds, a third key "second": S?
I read {"hour": 5, "minute": 3, "second": 7}
